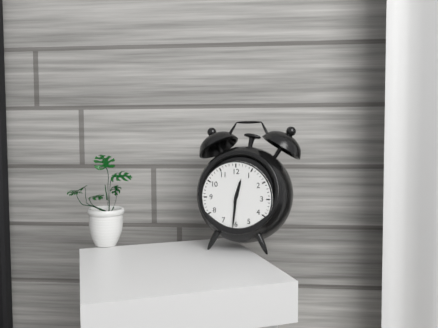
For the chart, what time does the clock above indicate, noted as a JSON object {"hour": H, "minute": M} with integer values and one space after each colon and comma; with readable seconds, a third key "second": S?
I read {"hour": 12, "minute": 31}
